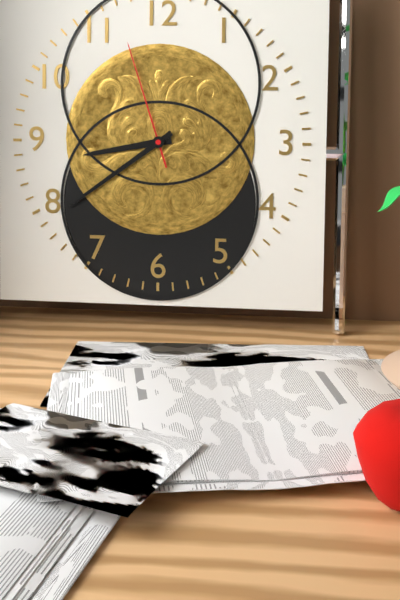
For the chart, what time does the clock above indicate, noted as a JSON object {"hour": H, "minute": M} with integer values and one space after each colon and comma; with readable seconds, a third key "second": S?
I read {"hour": 8, "minute": 39, "second": 57}
